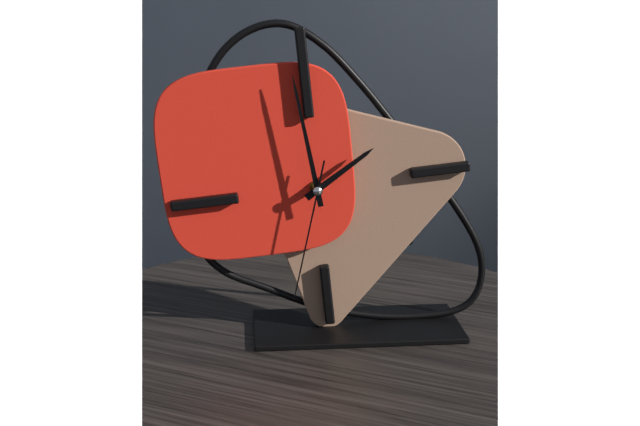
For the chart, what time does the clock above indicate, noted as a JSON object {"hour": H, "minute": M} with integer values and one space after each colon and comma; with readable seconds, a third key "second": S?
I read {"hour": 1, "minute": 59, "second": 33}
